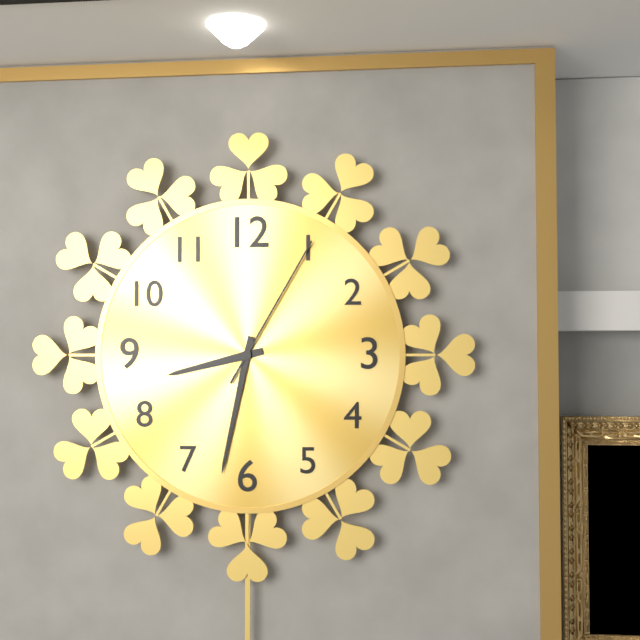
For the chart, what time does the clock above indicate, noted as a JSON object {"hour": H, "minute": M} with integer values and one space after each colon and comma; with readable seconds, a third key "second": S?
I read {"hour": 8, "minute": 32, "second": 5}
